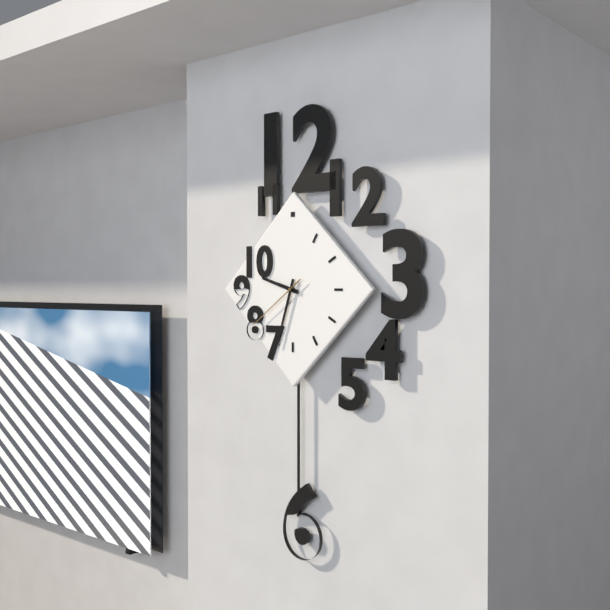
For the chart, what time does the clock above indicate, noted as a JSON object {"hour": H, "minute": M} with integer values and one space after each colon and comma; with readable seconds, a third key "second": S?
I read {"hour": 9, "minute": 33, "second": 39}
